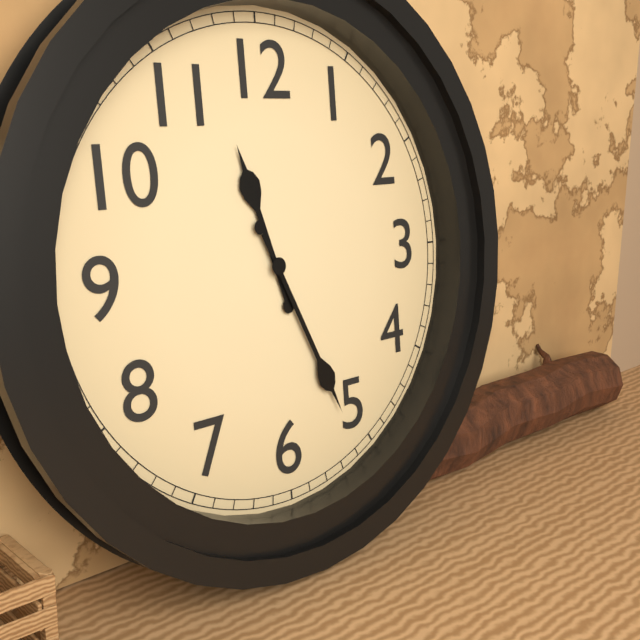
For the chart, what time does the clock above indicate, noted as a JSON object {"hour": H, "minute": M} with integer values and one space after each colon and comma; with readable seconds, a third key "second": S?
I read {"hour": 11, "minute": 26}
